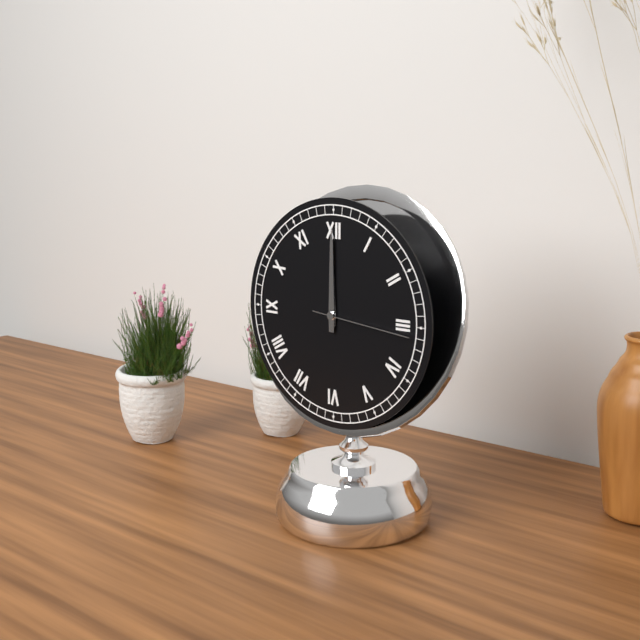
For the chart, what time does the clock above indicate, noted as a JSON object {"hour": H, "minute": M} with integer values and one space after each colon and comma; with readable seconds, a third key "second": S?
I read {"hour": 12, "minute": 0, "second": 16}
